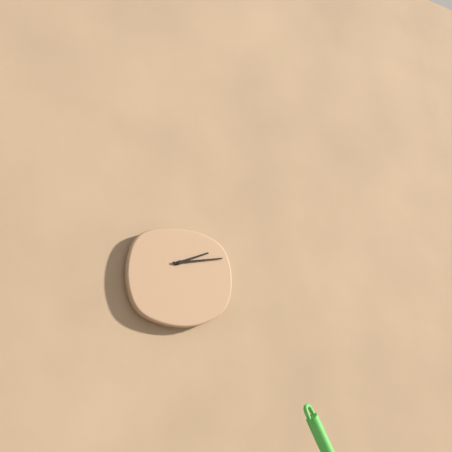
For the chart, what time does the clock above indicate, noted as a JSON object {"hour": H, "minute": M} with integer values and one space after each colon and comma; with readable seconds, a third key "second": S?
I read {"hour": 2, "minute": 13}
